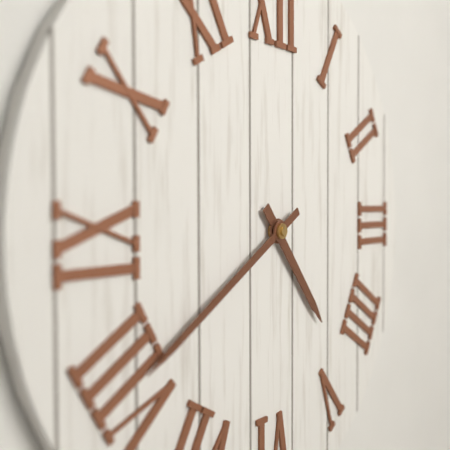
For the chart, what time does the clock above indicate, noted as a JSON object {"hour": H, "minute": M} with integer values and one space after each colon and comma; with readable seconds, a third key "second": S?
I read {"hour": 4, "minute": 40}
